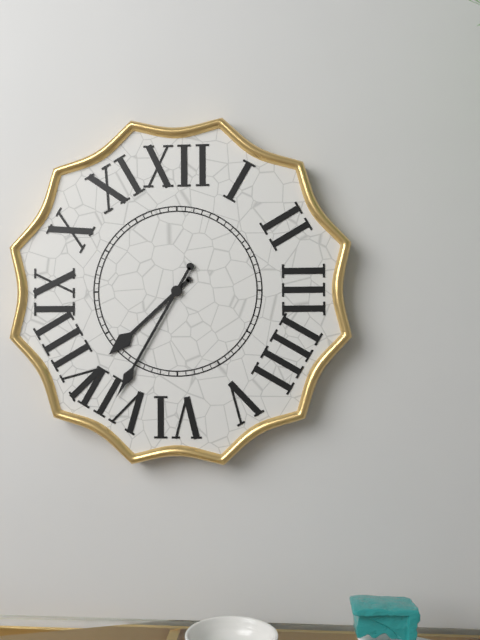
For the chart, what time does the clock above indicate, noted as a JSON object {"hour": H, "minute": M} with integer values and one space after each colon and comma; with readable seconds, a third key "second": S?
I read {"hour": 7, "minute": 35}
